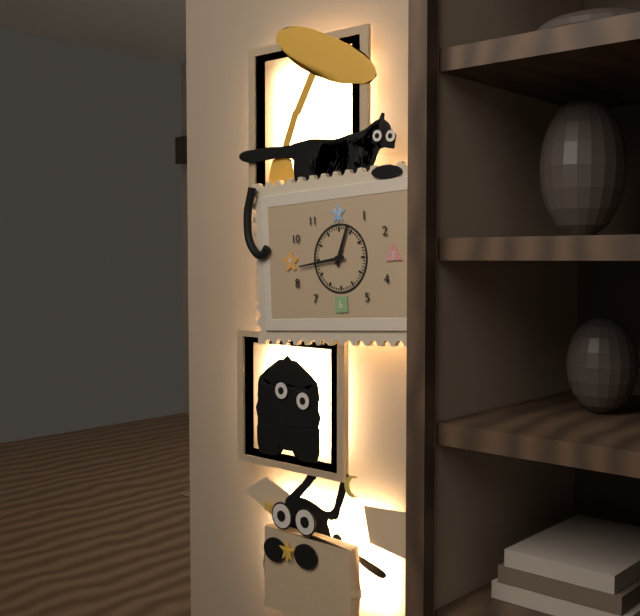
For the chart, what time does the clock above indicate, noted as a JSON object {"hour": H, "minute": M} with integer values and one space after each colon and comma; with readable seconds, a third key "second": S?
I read {"hour": 12, "minute": 44}
